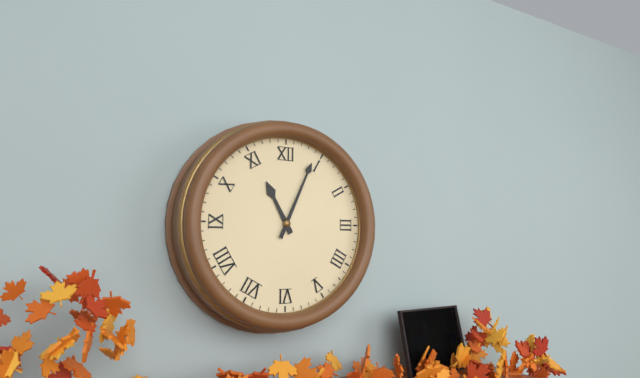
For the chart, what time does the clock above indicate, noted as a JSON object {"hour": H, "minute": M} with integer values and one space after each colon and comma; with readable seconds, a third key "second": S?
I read {"hour": 11, "minute": 4}
